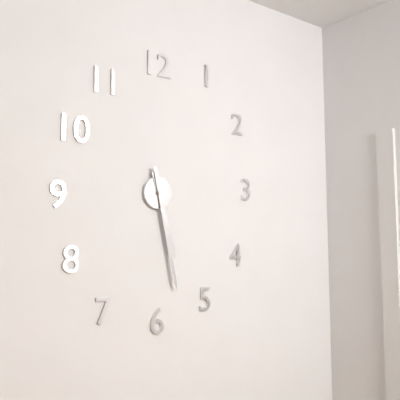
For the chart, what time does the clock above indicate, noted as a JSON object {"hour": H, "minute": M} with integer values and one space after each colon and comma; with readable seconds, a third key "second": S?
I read {"hour": 5, "minute": 28}
